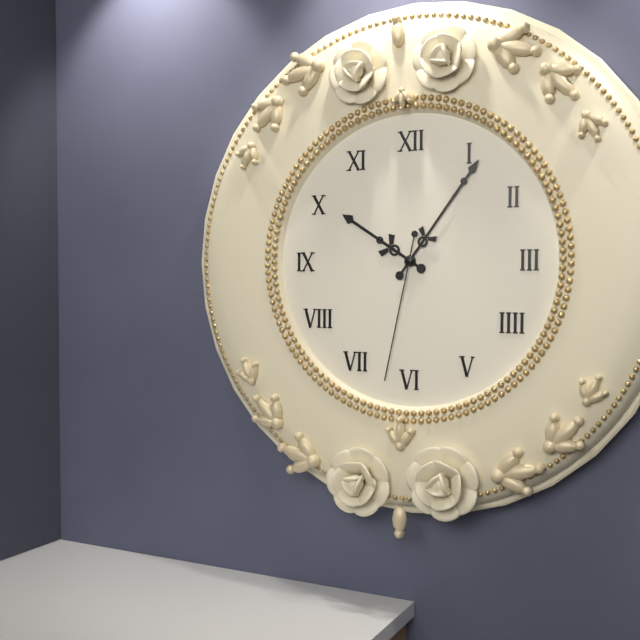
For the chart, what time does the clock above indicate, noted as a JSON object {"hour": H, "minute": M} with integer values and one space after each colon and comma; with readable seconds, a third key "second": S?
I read {"hour": 10, "minute": 6, "second": 32}
